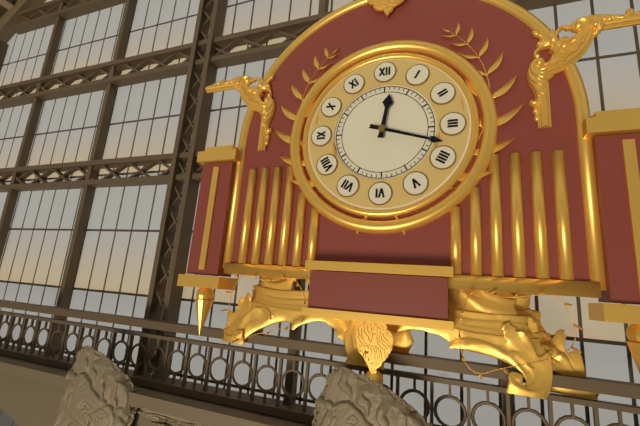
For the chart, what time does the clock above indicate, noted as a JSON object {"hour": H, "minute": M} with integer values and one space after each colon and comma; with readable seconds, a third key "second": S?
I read {"hour": 12, "minute": 18}
